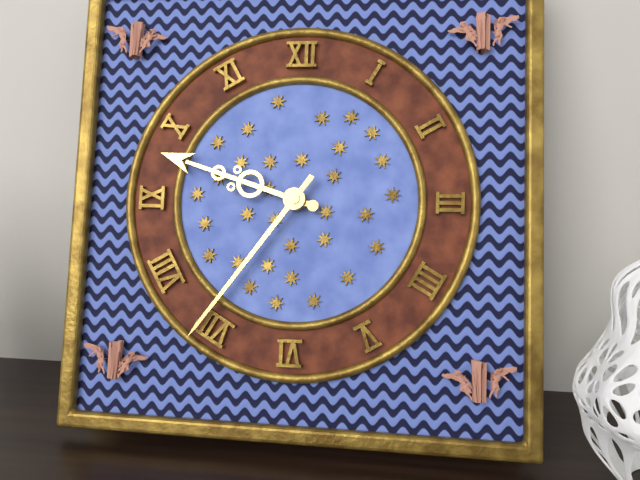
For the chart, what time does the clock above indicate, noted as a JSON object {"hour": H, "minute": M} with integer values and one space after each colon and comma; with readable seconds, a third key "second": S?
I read {"hour": 9, "minute": 36}
